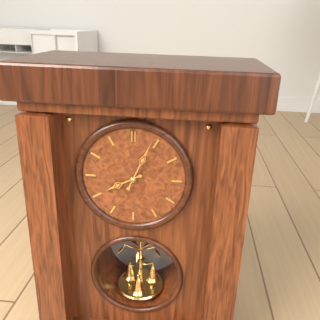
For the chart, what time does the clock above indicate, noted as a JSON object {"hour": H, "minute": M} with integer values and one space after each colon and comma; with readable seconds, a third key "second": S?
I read {"hour": 8, "minute": 4}
